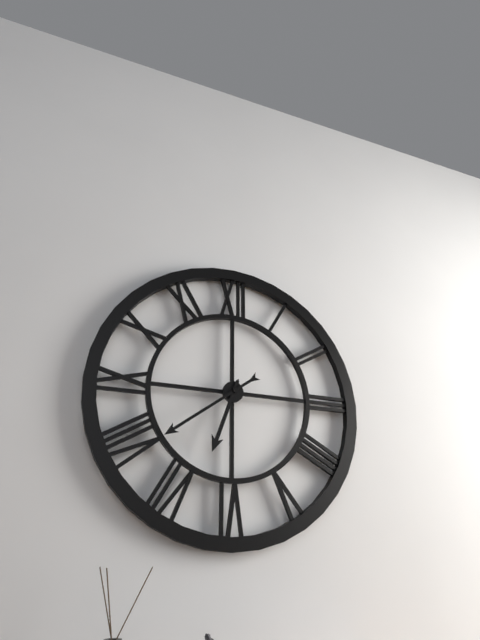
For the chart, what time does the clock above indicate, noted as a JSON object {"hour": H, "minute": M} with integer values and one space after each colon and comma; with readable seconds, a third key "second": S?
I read {"hour": 6, "minute": 39}
